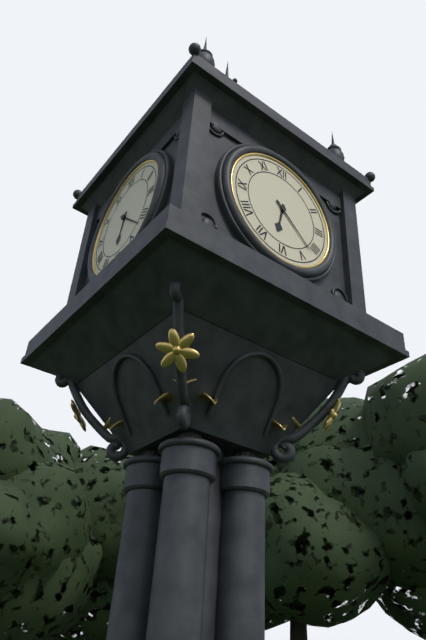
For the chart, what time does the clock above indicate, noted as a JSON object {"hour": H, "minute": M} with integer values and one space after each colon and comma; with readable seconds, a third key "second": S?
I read {"hour": 6, "minute": 22}
